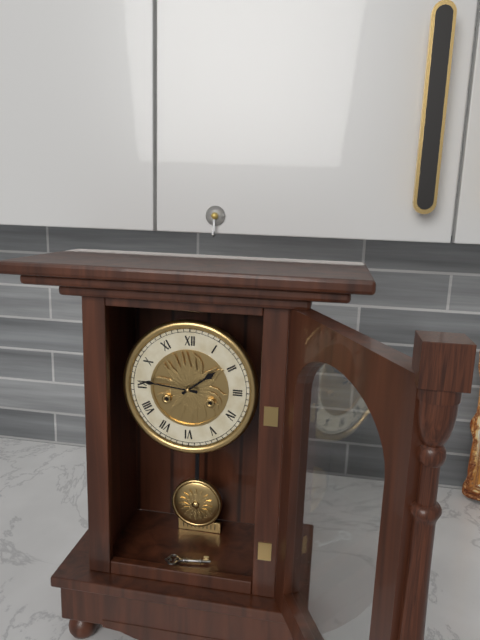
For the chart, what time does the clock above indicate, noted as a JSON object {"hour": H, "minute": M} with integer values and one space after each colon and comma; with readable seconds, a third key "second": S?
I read {"hour": 1, "minute": 46}
